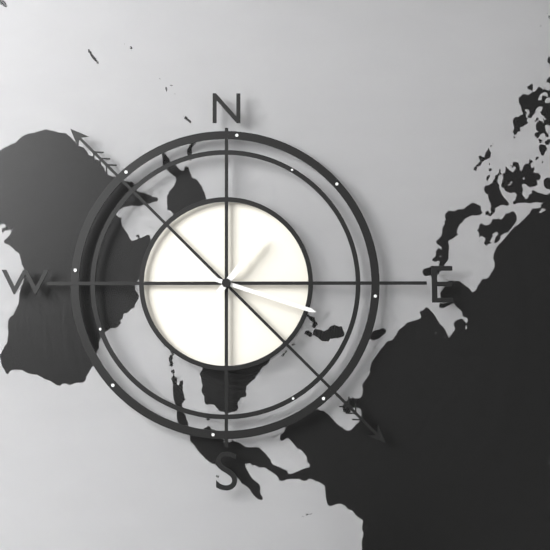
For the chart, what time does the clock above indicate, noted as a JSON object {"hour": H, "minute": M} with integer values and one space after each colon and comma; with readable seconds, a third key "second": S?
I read {"hour": 1, "minute": 18}
